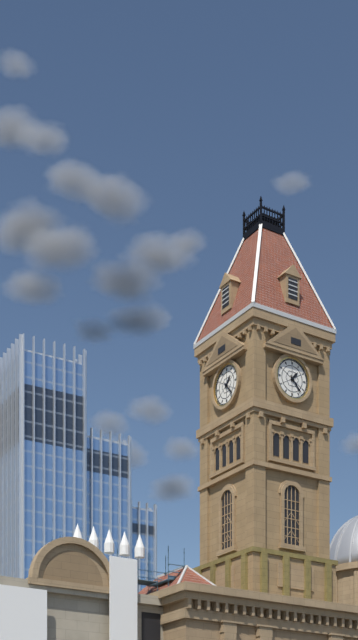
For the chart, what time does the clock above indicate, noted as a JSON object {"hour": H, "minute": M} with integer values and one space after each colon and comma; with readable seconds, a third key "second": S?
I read {"hour": 1, "minute": 23}
